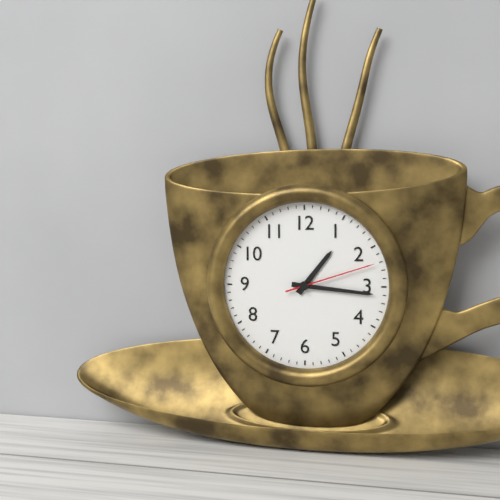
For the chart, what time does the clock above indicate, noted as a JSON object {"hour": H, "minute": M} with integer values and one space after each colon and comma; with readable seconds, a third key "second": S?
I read {"hour": 1, "minute": 16, "second": 12}
